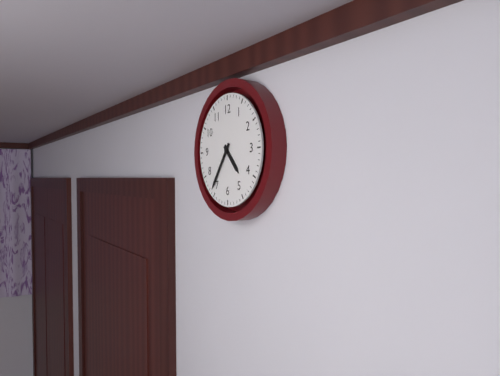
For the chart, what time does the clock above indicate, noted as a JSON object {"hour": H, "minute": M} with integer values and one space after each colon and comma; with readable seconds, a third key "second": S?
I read {"hour": 4, "minute": 36}
